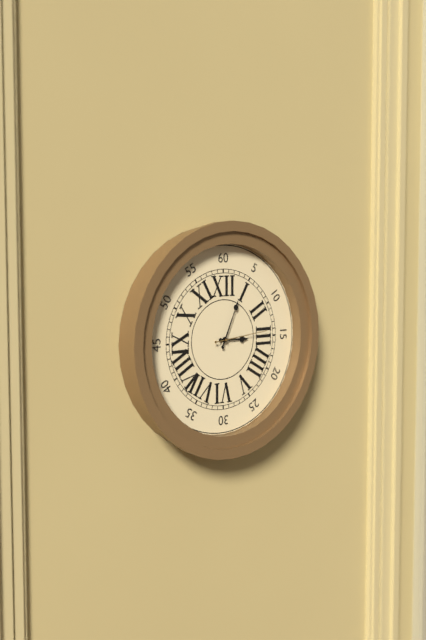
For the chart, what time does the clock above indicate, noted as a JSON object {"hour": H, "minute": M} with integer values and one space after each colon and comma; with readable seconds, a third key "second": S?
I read {"hour": 3, "minute": 4, "second": 14}
